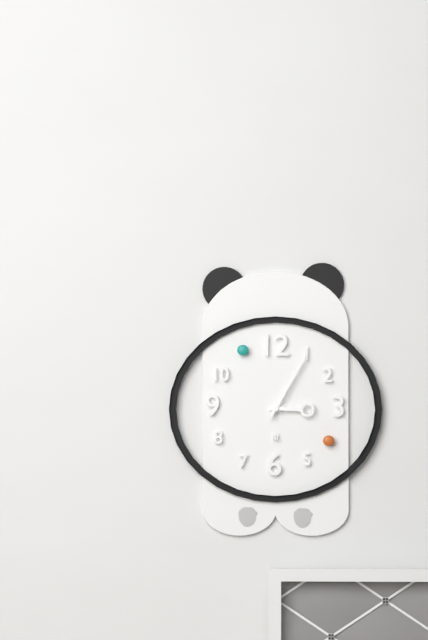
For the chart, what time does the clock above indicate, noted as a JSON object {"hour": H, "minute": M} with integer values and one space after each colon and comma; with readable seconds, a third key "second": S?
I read {"hour": 3, "minute": 5}
